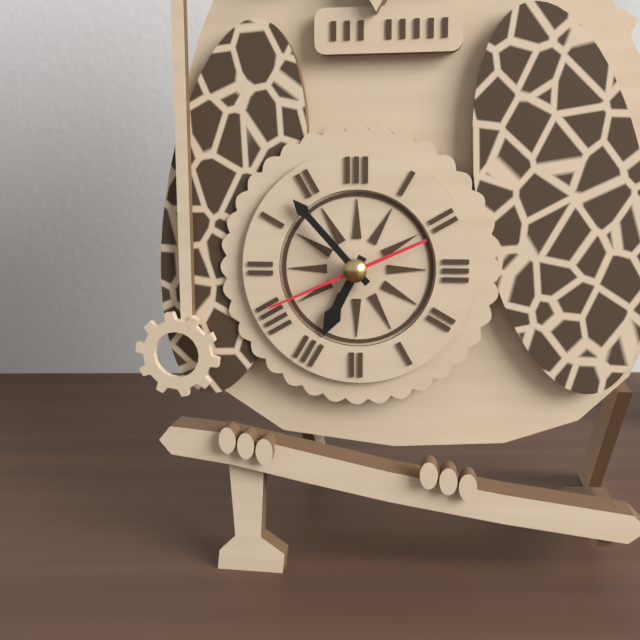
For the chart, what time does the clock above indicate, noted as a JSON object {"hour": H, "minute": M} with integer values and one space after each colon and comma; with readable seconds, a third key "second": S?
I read {"hour": 6, "minute": 53, "second": 41}
